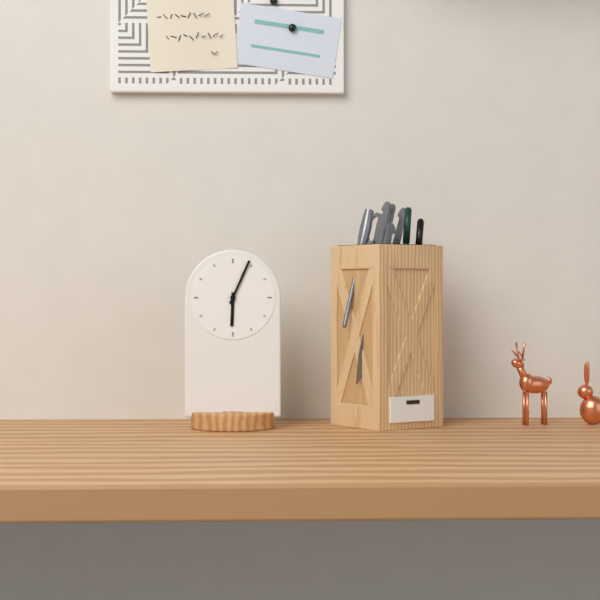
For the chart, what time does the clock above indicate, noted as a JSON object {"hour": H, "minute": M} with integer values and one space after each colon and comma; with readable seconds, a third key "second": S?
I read {"hour": 6, "minute": 4}
